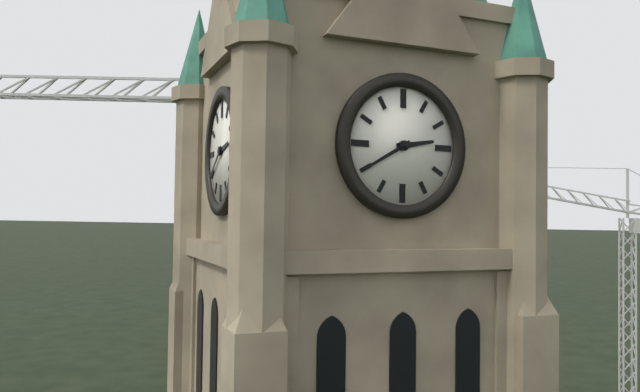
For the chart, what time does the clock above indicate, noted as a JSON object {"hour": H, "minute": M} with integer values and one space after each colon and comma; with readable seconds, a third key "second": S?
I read {"hour": 2, "minute": 40}
